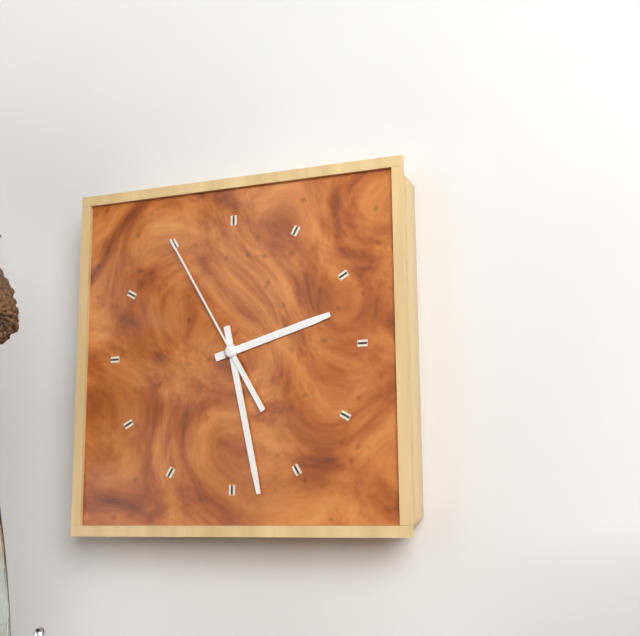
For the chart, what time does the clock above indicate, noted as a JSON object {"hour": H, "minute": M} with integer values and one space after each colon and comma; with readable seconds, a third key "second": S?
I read {"hour": 2, "minute": 28, "second": 55}
